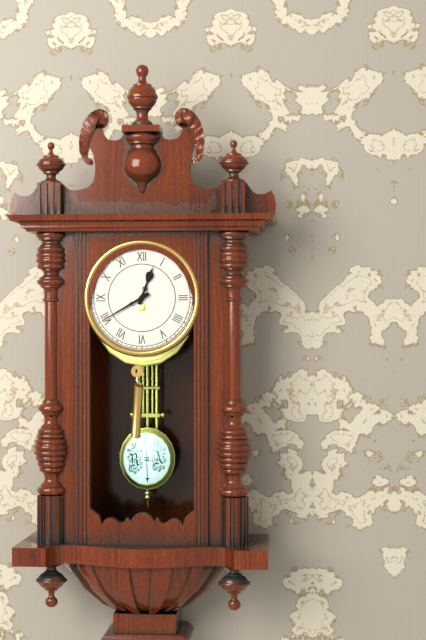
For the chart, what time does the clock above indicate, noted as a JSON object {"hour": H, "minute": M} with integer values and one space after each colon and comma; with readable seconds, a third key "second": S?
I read {"hour": 12, "minute": 40}
